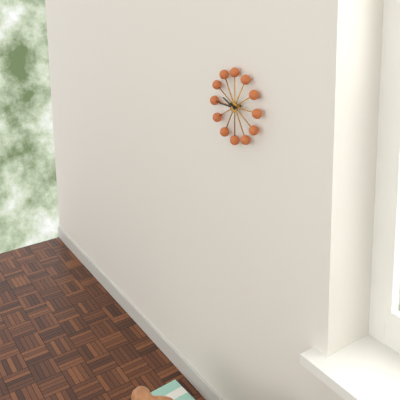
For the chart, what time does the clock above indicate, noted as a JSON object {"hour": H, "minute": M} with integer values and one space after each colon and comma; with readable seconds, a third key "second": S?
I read {"hour": 9, "minute": 45}
